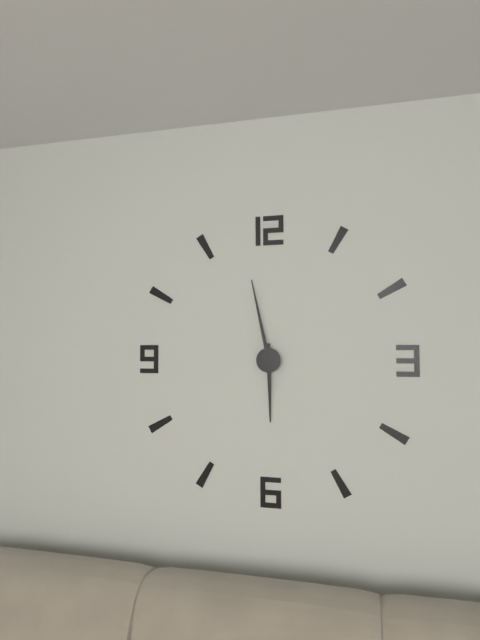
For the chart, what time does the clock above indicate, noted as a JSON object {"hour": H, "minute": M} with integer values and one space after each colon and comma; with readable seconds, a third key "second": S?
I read {"hour": 5, "minute": 58}
